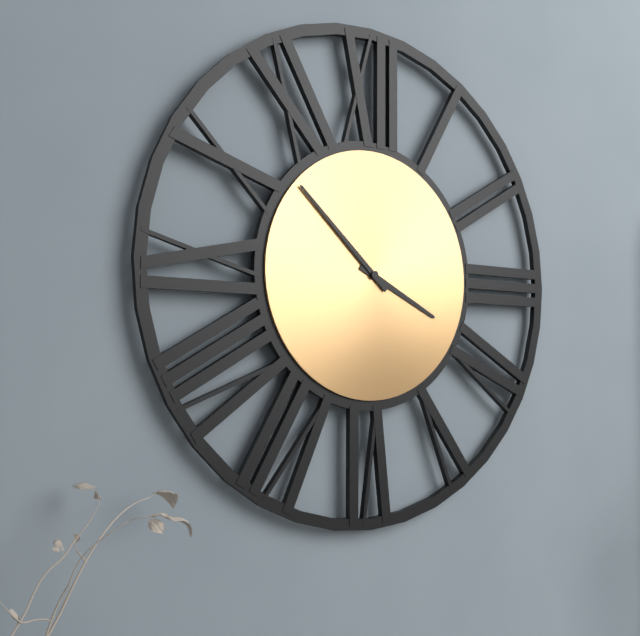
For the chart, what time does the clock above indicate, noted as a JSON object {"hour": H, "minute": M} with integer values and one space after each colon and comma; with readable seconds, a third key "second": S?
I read {"hour": 3, "minute": 52}
